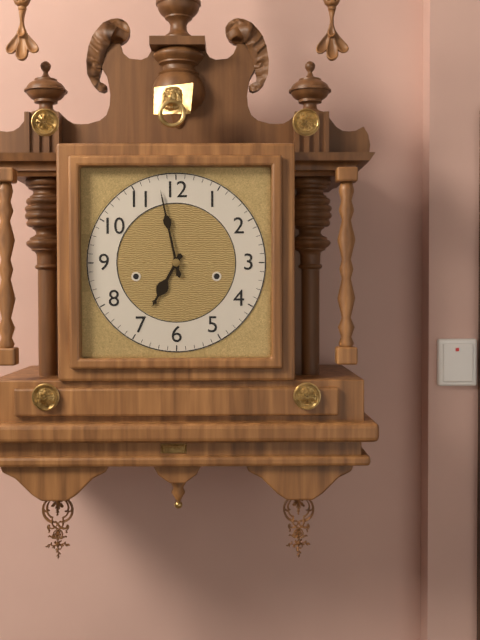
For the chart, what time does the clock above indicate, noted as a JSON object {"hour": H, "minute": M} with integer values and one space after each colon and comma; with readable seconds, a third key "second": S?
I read {"hour": 6, "minute": 58}
